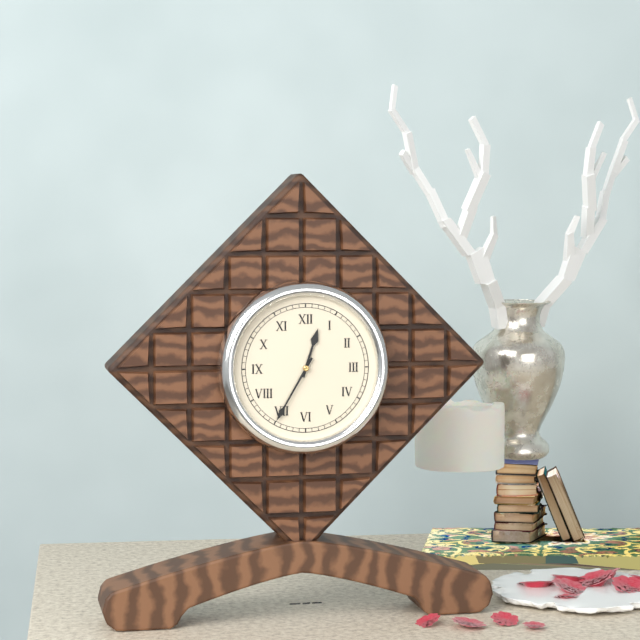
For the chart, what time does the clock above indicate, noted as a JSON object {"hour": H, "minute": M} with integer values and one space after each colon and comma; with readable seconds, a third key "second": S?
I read {"hour": 12, "minute": 35}
